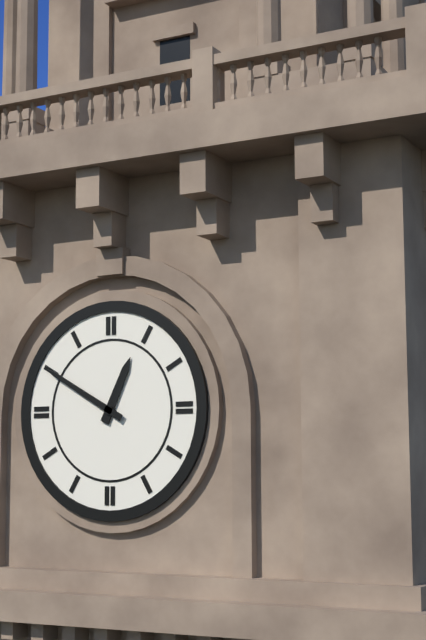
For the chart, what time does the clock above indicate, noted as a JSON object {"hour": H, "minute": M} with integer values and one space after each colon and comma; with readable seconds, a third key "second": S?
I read {"hour": 12, "minute": 50}
